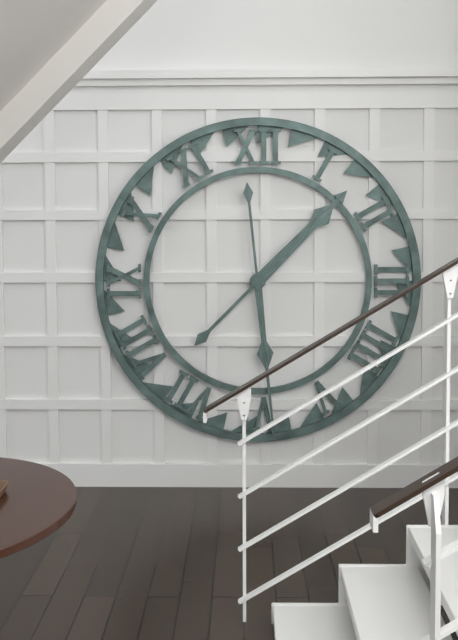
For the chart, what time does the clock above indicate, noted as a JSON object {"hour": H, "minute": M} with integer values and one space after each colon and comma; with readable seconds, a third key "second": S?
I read {"hour": 1, "minute": 29}
